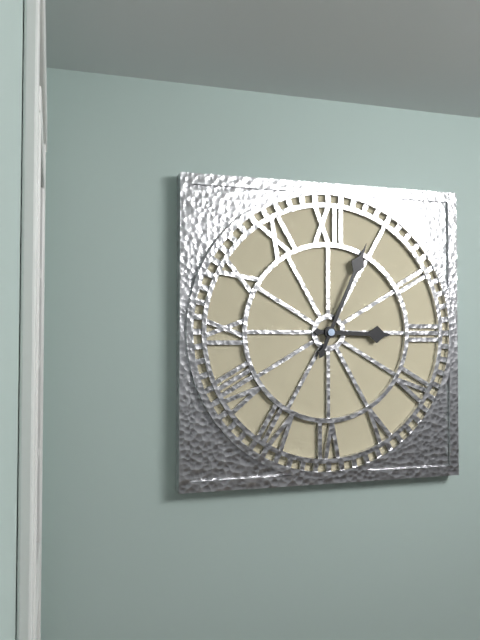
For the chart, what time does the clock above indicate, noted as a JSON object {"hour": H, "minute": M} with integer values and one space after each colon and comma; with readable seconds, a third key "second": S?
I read {"hour": 3, "minute": 4}
